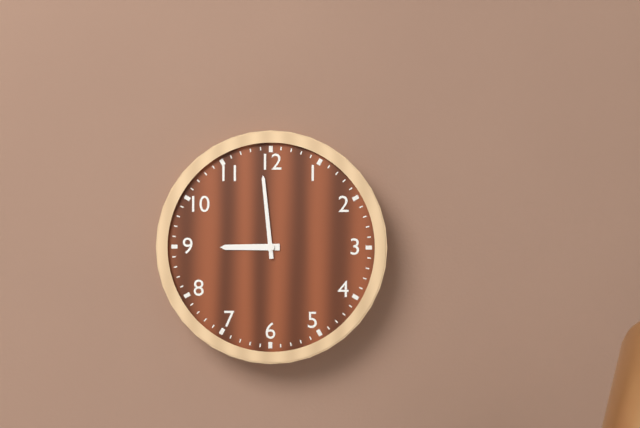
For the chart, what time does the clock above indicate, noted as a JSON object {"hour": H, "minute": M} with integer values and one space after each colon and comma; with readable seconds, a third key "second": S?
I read {"hour": 8, "minute": 59}
